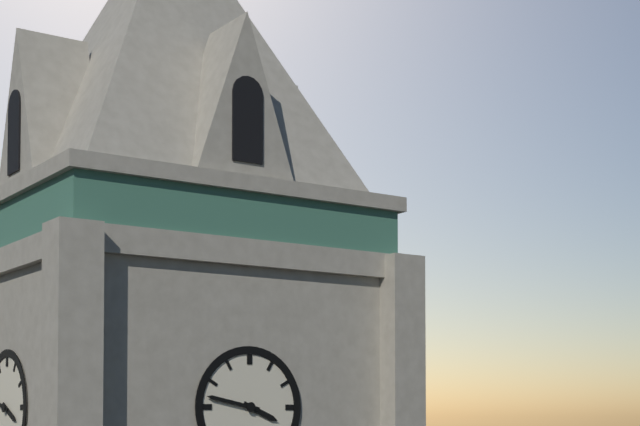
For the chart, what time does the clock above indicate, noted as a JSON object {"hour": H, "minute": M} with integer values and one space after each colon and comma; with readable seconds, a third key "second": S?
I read {"hour": 3, "minute": 47}
